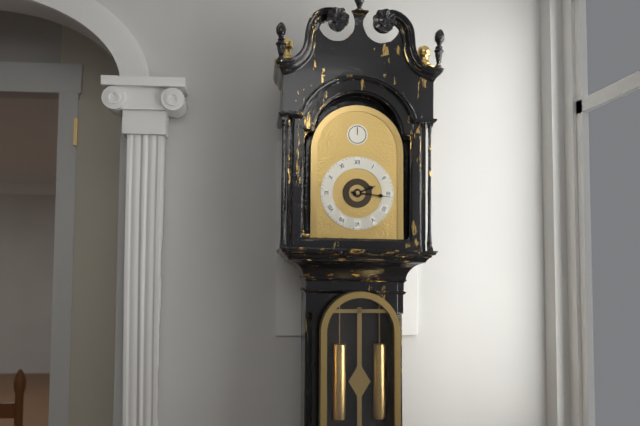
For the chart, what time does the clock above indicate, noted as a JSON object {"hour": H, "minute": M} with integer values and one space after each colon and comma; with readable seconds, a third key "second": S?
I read {"hour": 2, "minute": 16}
